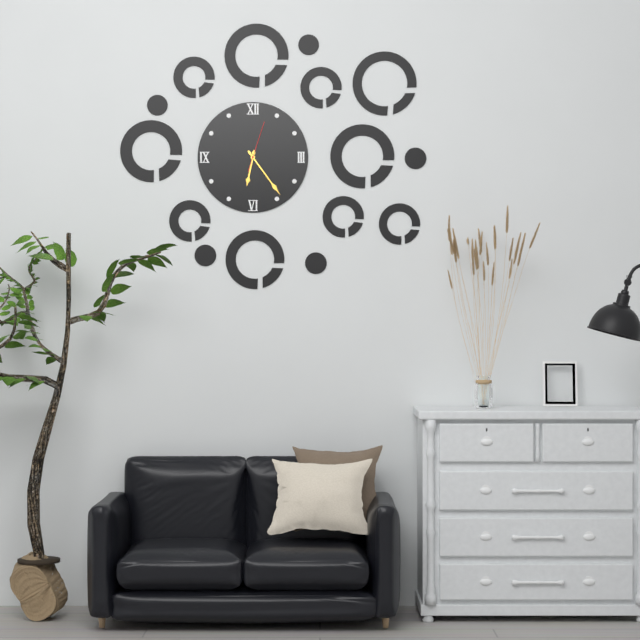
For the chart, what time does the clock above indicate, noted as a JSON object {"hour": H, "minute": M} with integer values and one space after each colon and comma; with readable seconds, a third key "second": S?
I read {"hour": 6, "minute": 24}
